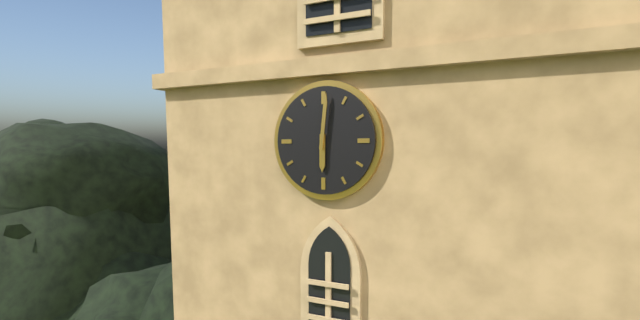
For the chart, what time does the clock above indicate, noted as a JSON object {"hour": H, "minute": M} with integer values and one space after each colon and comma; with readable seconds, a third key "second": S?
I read {"hour": 6, "minute": 1}
